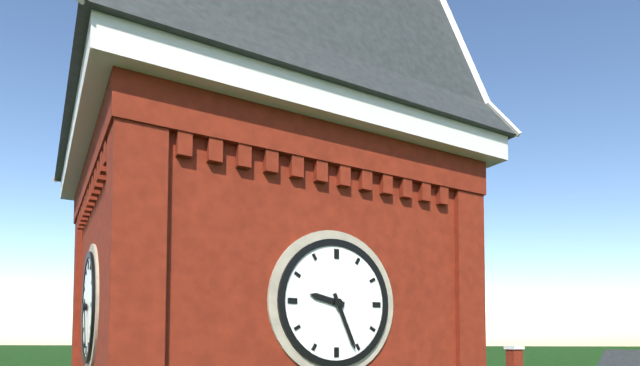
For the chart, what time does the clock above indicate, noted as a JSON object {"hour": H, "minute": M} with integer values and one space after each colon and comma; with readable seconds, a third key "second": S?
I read {"hour": 9, "minute": 26}
